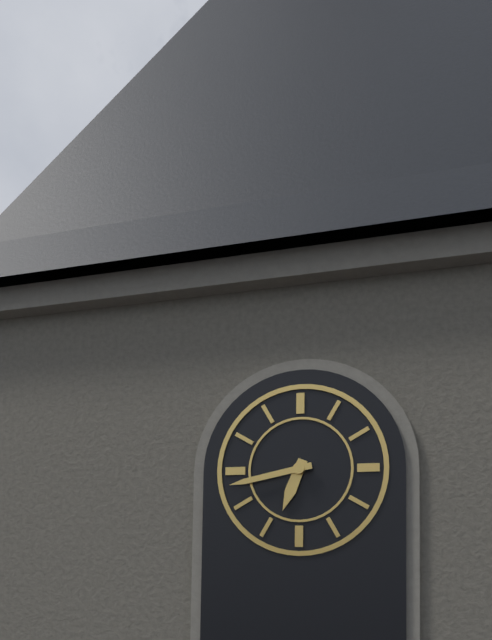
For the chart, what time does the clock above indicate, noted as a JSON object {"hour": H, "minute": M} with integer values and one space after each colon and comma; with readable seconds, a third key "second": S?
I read {"hour": 6, "minute": 43}
